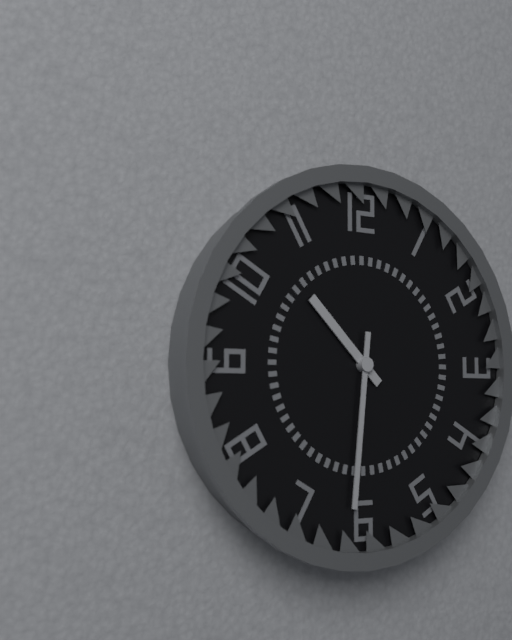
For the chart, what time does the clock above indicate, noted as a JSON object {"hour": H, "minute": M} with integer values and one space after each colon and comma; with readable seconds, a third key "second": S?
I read {"hour": 10, "minute": 31}
